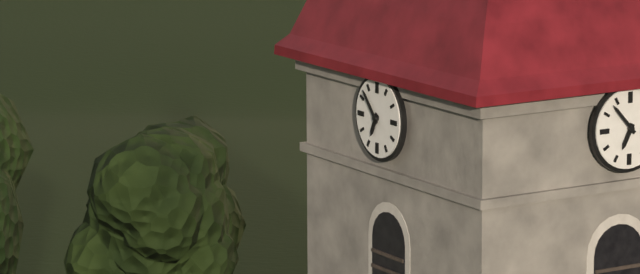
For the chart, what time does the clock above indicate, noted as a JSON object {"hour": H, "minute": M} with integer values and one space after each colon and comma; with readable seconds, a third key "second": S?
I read {"hour": 6, "minute": 53}
